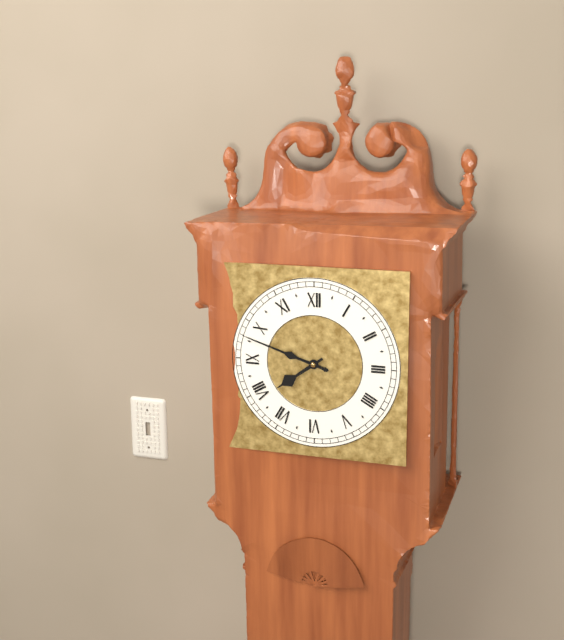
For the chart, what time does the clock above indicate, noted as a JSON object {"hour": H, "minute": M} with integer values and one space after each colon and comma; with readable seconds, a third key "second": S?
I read {"hour": 7, "minute": 48}
